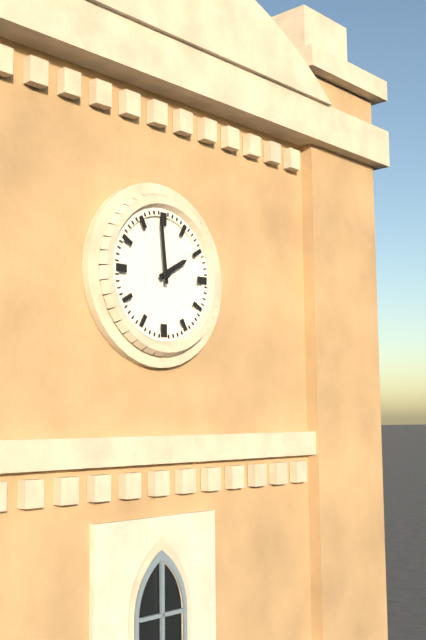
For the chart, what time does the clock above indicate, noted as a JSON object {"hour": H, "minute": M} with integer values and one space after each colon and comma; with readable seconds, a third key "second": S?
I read {"hour": 1, "minute": 59}
